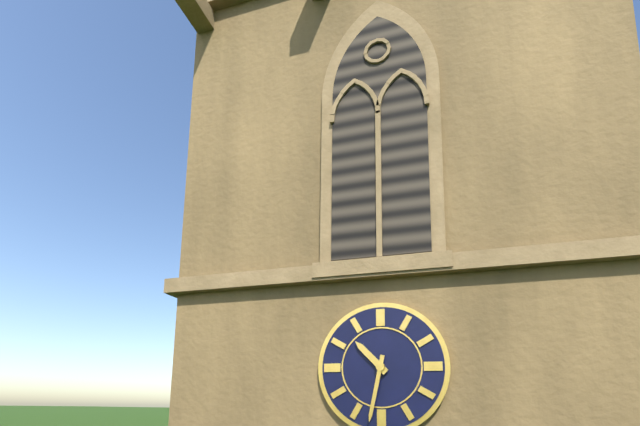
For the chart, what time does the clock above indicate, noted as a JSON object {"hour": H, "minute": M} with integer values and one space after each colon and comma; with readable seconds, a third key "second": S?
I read {"hour": 10, "minute": 32}
